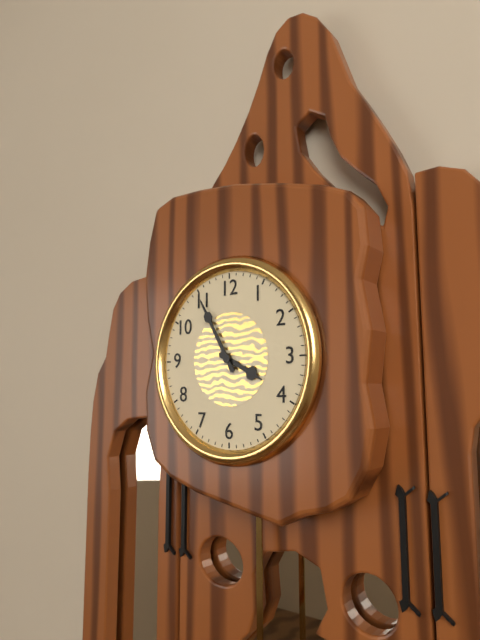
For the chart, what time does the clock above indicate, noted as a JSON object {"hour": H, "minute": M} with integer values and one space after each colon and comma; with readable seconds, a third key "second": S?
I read {"hour": 3, "minute": 55}
